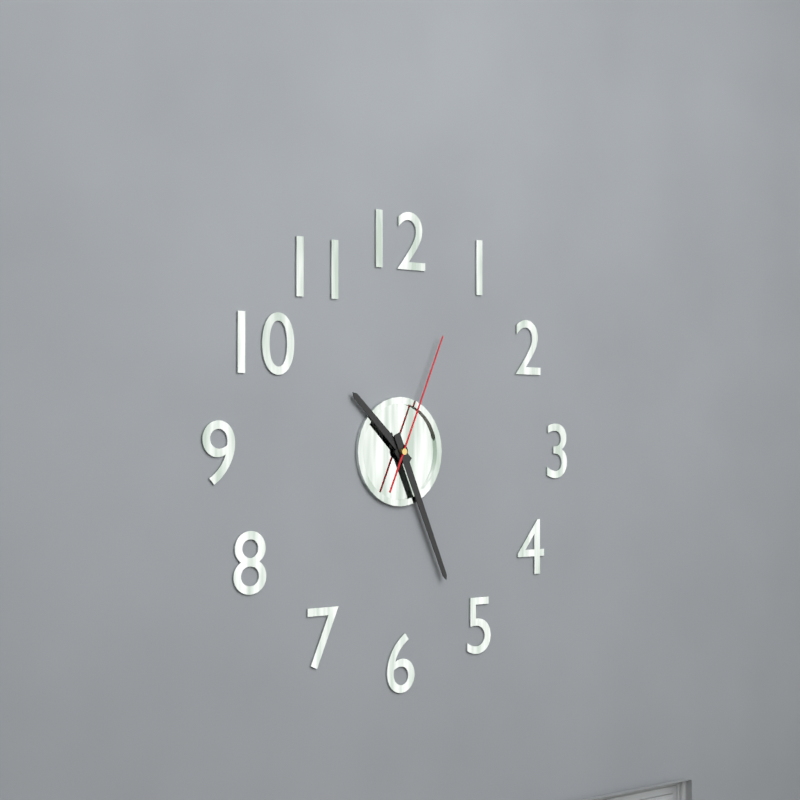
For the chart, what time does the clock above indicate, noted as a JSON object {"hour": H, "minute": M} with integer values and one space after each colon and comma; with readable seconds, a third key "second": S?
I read {"hour": 10, "minute": 26, "second": 4}
